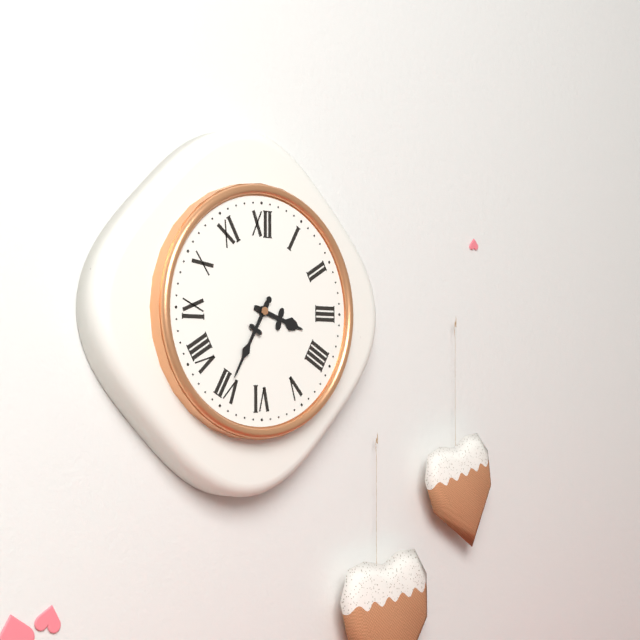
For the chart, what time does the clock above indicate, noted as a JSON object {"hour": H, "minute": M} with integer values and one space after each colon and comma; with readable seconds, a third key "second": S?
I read {"hour": 3, "minute": 35}
